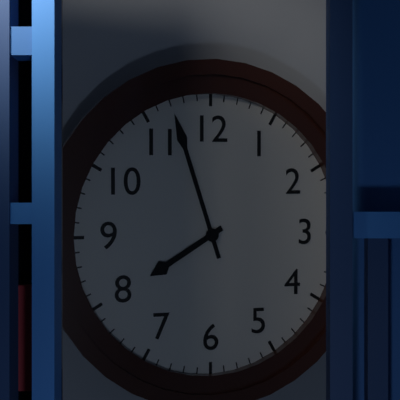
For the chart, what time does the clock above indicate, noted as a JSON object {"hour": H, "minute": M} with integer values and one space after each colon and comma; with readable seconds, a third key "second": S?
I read {"hour": 7, "minute": 57}
